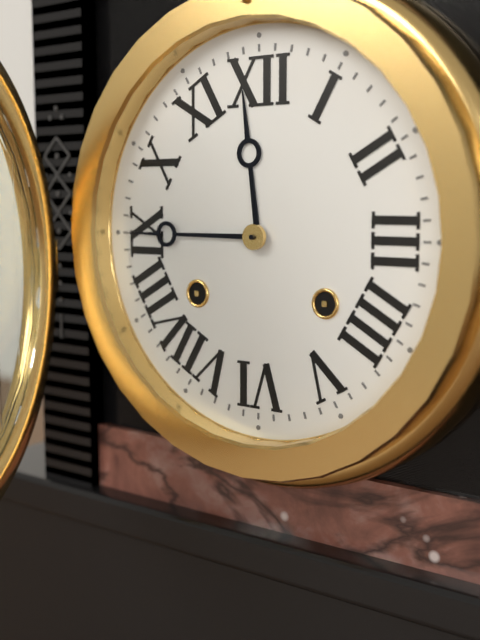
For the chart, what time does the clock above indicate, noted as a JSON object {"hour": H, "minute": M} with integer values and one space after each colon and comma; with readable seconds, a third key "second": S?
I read {"hour": 11, "minute": 45}
